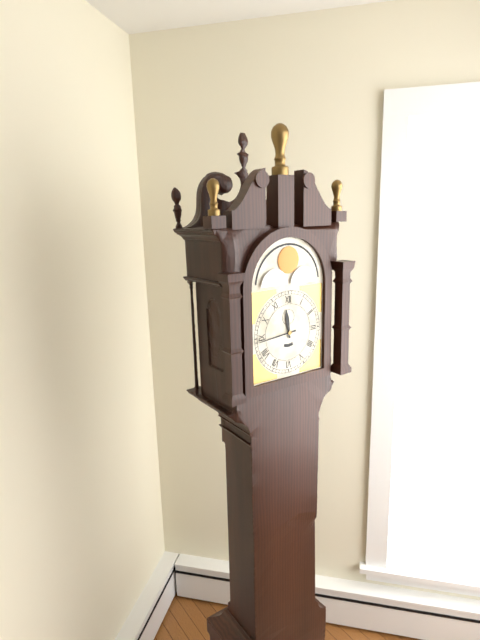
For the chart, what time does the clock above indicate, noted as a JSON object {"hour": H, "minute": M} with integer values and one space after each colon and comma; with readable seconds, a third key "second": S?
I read {"hour": 11, "minute": 44}
